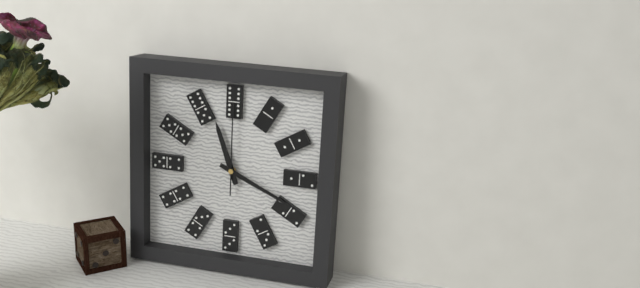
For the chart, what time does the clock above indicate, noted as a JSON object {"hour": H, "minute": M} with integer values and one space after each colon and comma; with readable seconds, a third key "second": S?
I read {"hour": 11, "minute": 19, "second": 0}
